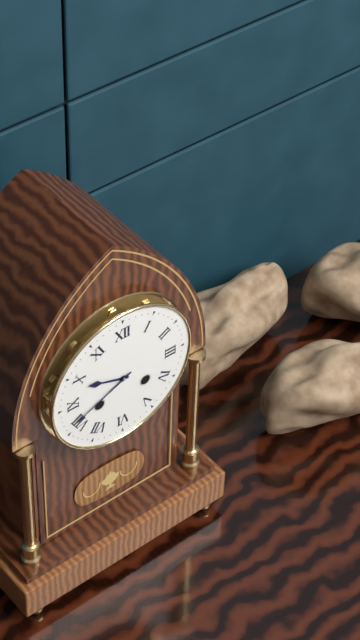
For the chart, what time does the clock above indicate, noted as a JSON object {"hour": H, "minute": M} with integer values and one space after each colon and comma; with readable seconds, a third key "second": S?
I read {"hour": 9, "minute": 41}
